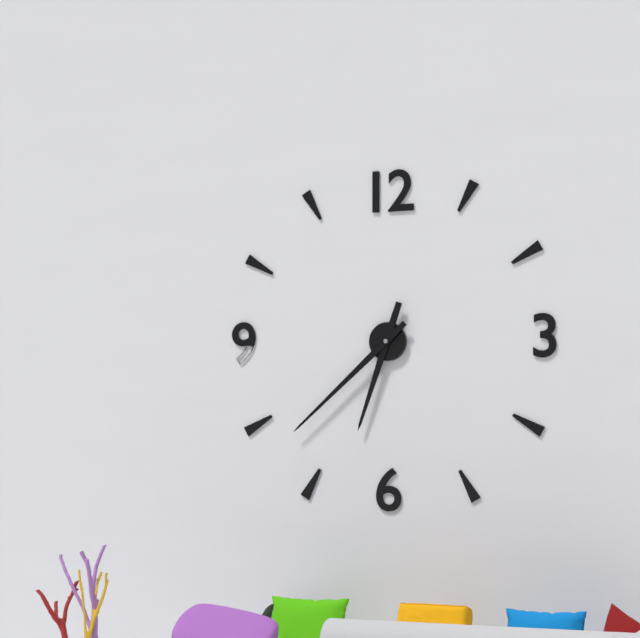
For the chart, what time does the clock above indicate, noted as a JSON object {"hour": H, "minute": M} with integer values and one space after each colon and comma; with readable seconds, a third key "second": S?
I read {"hour": 6, "minute": 38}
